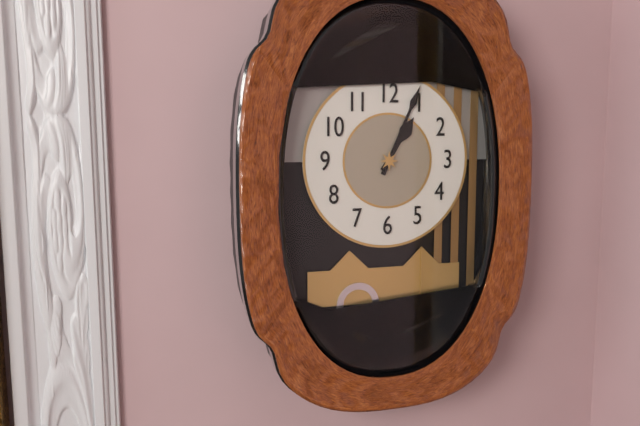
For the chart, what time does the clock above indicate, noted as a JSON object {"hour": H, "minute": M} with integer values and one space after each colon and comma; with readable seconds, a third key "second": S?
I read {"hour": 1, "minute": 4}
